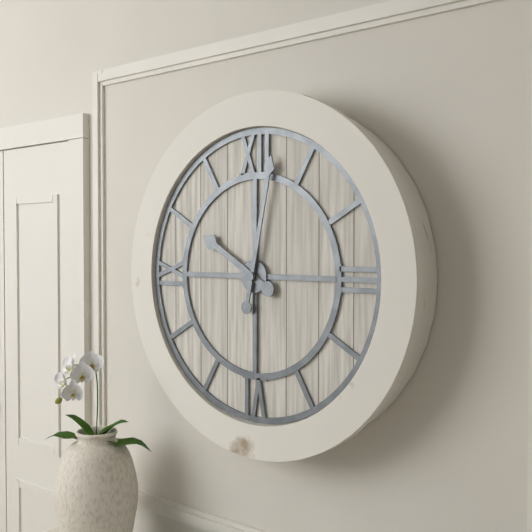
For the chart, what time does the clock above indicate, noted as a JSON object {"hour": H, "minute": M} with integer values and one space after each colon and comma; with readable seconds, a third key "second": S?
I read {"hour": 10, "minute": 2}
